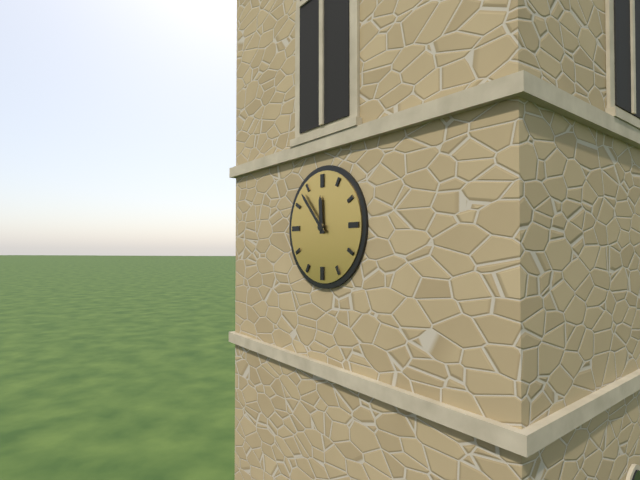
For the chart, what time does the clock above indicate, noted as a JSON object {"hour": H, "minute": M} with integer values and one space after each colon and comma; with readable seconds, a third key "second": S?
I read {"hour": 11, "minute": 53}
